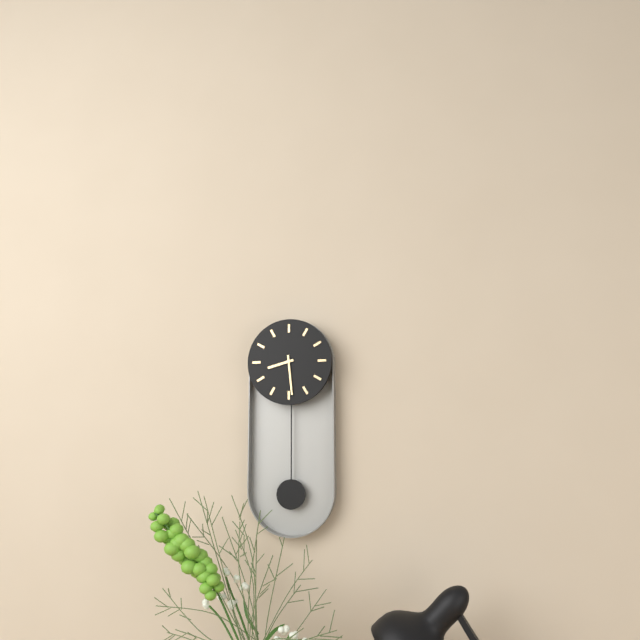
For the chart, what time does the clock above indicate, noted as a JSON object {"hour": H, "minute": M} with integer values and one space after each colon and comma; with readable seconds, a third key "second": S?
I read {"hour": 8, "minute": 29}
